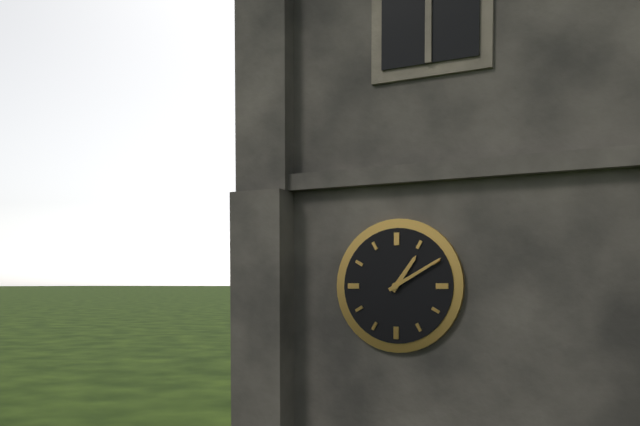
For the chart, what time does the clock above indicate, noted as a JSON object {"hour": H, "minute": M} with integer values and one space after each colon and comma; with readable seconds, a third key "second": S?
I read {"hour": 1, "minute": 10}
